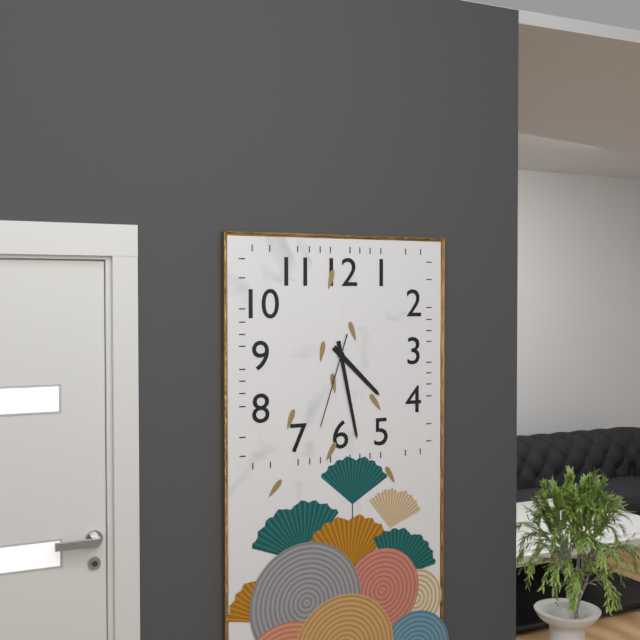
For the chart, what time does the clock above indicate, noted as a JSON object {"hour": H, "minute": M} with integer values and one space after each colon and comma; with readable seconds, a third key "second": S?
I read {"hour": 4, "minute": 28, "second": 33}
